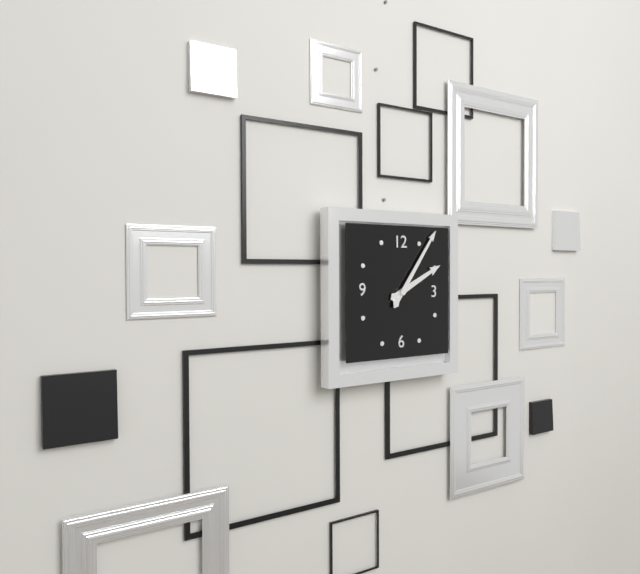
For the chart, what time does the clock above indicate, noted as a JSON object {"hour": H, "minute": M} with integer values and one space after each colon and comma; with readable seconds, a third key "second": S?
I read {"hour": 2, "minute": 6}
